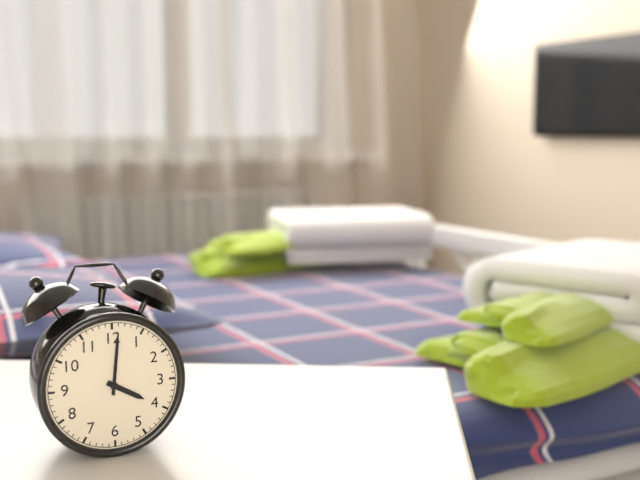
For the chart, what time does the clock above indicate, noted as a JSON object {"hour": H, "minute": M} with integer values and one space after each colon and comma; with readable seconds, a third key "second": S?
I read {"hour": 4, "minute": 1}
